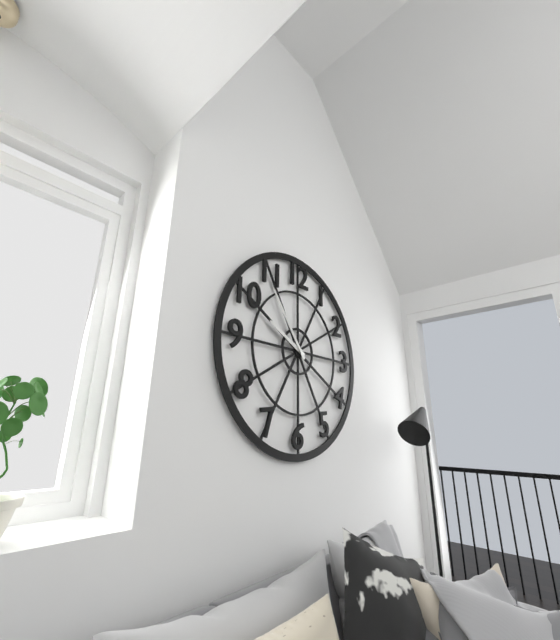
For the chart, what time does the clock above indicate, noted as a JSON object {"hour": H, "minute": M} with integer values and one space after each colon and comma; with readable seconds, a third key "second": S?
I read {"hour": 9, "minute": 54}
